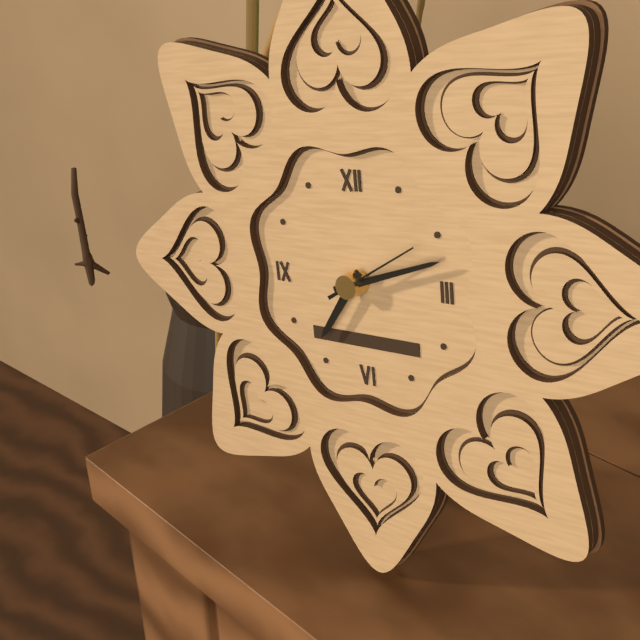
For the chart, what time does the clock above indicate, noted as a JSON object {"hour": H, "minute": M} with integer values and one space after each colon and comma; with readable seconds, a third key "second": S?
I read {"hour": 7, "minute": 12, "second": 10}
